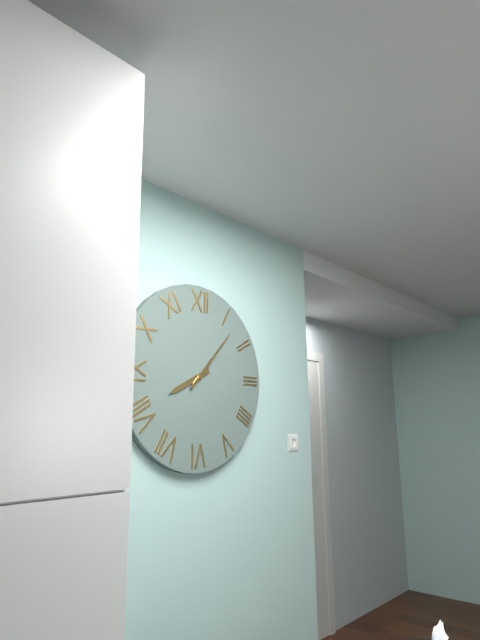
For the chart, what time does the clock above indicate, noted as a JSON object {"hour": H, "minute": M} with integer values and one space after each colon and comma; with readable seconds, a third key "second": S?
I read {"hour": 8, "minute": 7}
